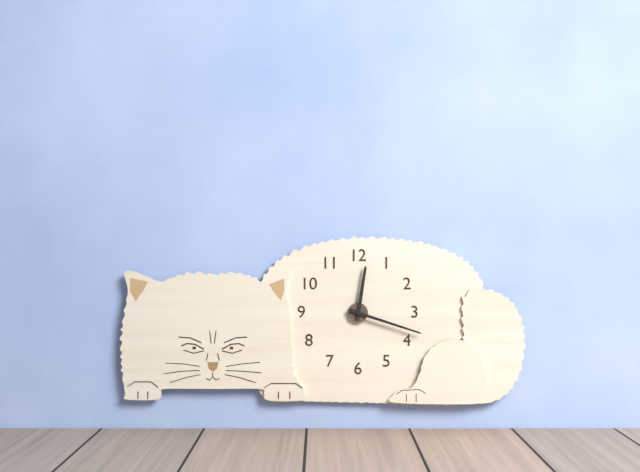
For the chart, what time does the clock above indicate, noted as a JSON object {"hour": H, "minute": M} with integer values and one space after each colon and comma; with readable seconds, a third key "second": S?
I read {"hour": 12, "minute": 18}
